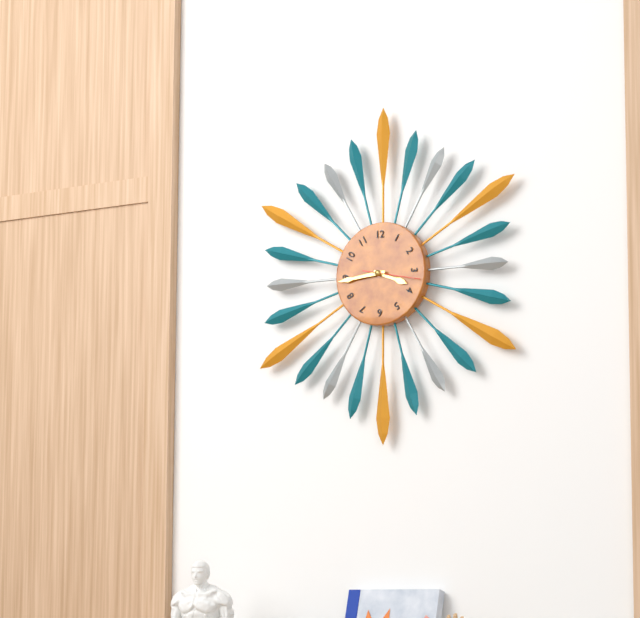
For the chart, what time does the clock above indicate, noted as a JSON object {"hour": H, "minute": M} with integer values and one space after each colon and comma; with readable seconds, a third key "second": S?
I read {"hour": 3, "minute": 44}
